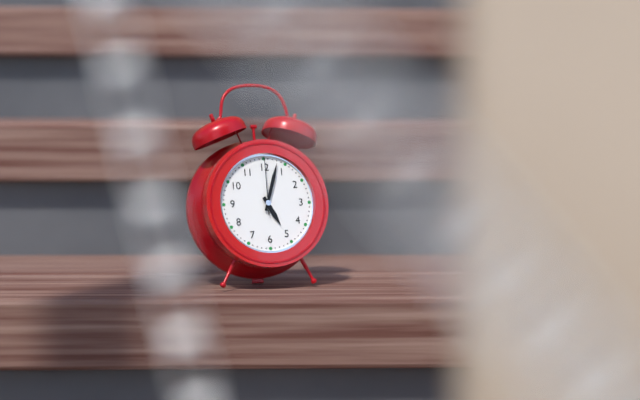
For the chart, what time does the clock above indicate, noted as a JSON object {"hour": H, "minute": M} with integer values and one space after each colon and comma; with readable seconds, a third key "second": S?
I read {"hour": 5, "minute": 3, "second": 0}
